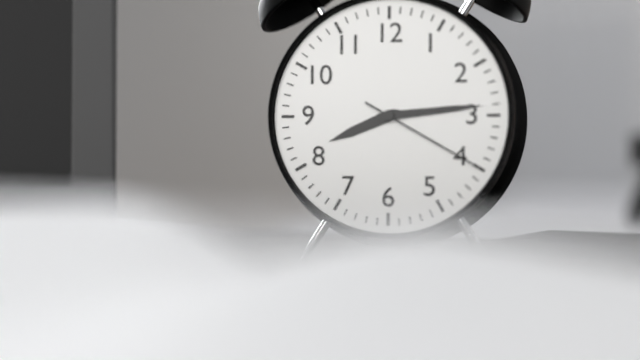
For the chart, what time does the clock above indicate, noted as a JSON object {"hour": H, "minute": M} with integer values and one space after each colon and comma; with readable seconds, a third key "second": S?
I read {"hour": 8, "minute": 14, "second": 20}
